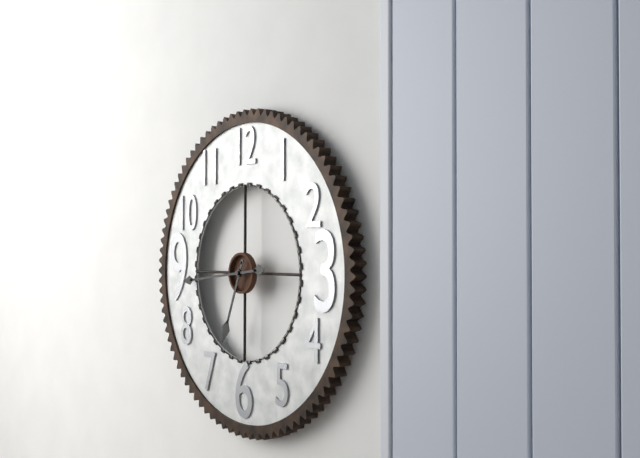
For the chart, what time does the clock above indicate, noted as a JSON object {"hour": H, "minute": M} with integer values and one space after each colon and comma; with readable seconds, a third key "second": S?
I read {"hour": 6, "minute": 44}
